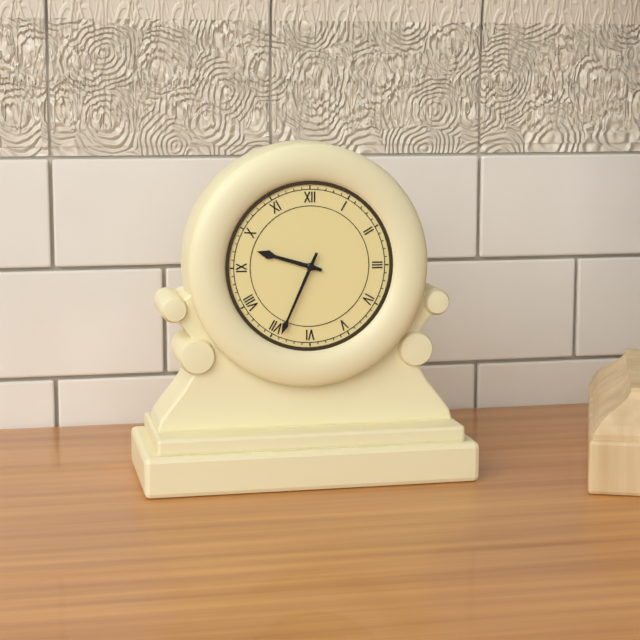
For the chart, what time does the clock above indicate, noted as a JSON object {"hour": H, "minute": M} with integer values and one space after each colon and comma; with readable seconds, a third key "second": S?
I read {"hour": 9, "minute": 34}
